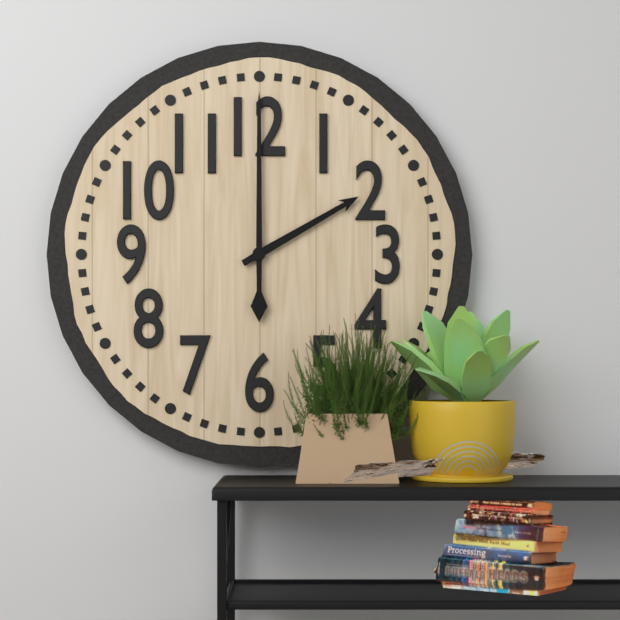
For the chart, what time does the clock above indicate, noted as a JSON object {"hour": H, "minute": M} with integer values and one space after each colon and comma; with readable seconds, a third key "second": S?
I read {"hour": 2, "minute": 0}
